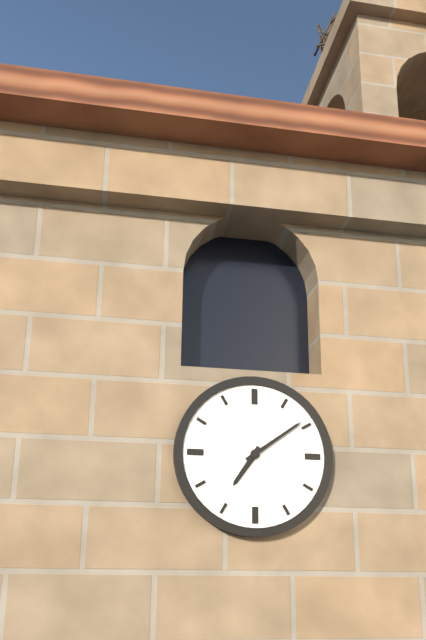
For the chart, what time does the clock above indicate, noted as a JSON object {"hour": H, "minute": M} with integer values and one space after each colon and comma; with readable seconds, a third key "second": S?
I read {"hour": 7, "minute": 9}
